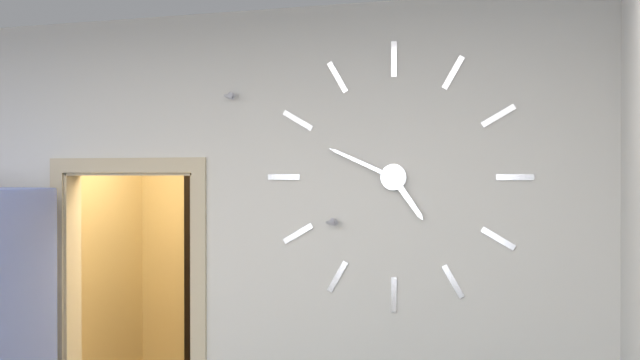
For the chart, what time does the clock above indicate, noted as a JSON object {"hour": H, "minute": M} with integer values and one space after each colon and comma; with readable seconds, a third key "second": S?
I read {"hour": 4, "minute": 49}
